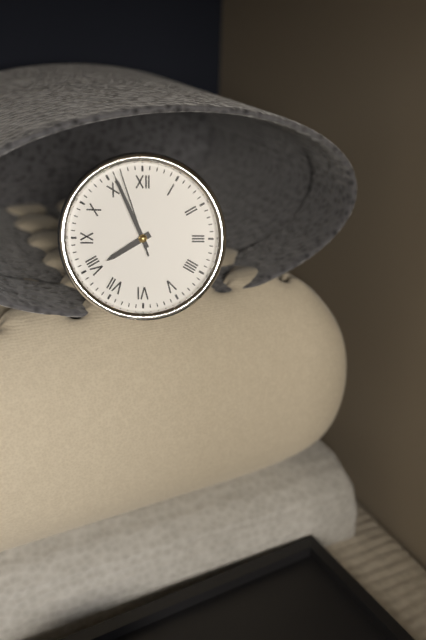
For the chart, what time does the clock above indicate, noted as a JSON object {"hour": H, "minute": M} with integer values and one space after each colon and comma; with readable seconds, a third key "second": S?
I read {"hour": 7, "minute": 56, "second": 57}
